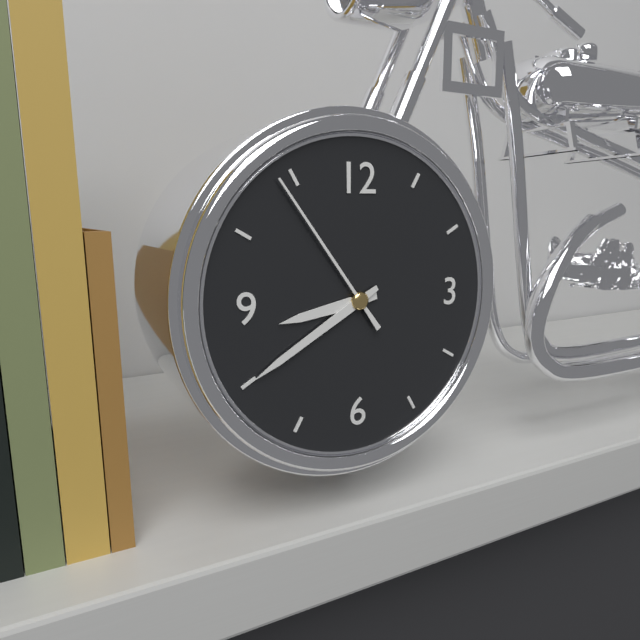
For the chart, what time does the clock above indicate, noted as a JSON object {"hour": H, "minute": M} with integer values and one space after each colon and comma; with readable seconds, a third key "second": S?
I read {"hour": 8, "minute": 40, "second": 54}
